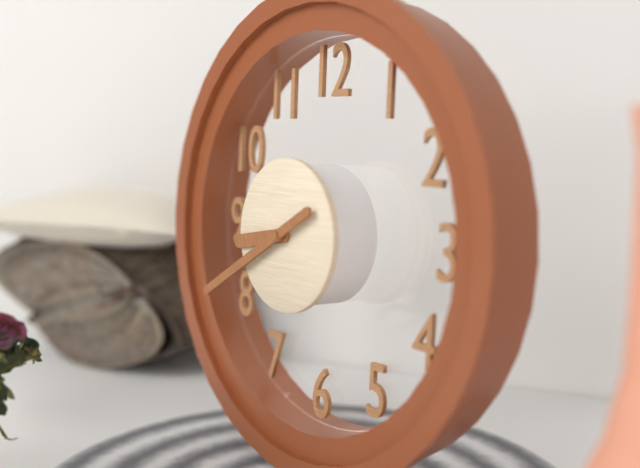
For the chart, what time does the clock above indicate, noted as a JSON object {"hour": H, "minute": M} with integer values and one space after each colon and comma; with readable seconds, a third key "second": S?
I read {"hour": 8, "minute": 40}
